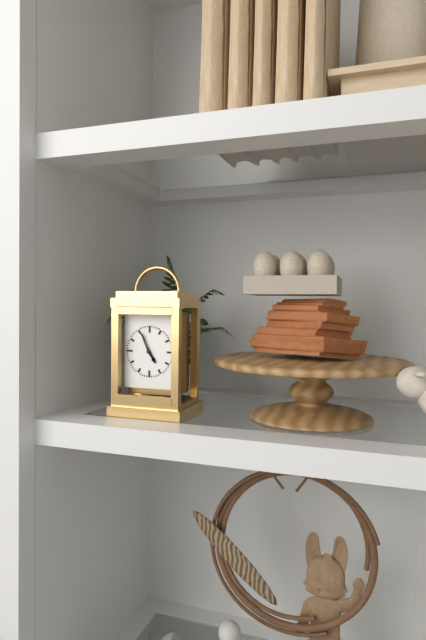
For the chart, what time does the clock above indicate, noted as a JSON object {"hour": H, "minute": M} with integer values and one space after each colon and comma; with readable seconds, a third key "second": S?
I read {"hour": 4, "minute": 56}
